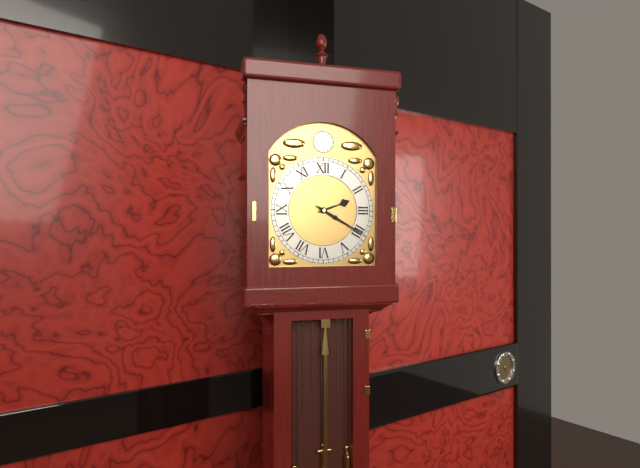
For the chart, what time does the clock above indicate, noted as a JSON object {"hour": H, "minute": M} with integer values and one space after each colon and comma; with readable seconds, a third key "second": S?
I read {"hour": 2, "minute": 20}
